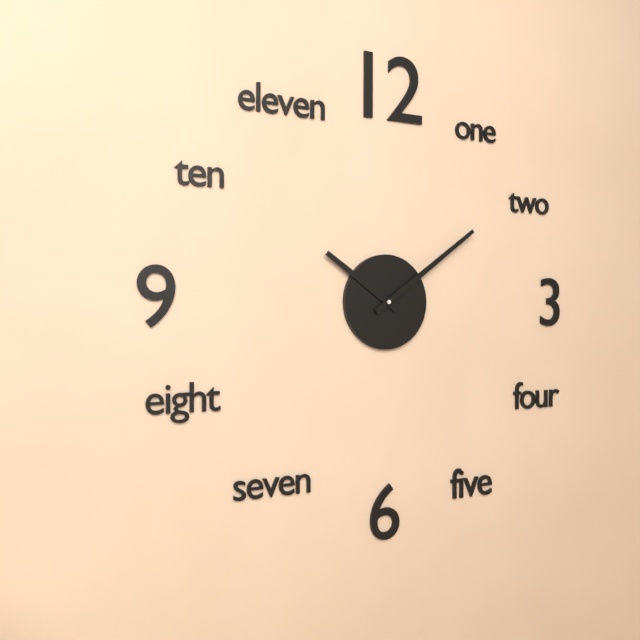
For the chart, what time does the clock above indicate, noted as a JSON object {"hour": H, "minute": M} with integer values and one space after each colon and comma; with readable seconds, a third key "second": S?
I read {"hour": 10, "minute": 9}
